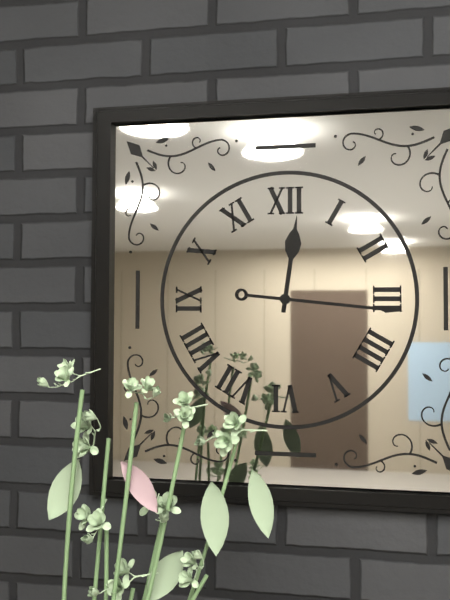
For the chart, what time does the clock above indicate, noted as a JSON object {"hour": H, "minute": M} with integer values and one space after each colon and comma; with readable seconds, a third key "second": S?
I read {"hour": 12, "minute": 16}
